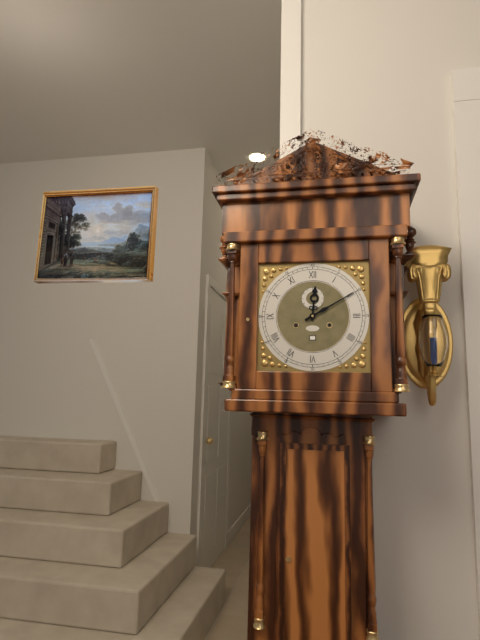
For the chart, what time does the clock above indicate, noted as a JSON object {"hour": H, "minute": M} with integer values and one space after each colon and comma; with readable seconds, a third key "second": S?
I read {"hour": 12, "minute": 10}
